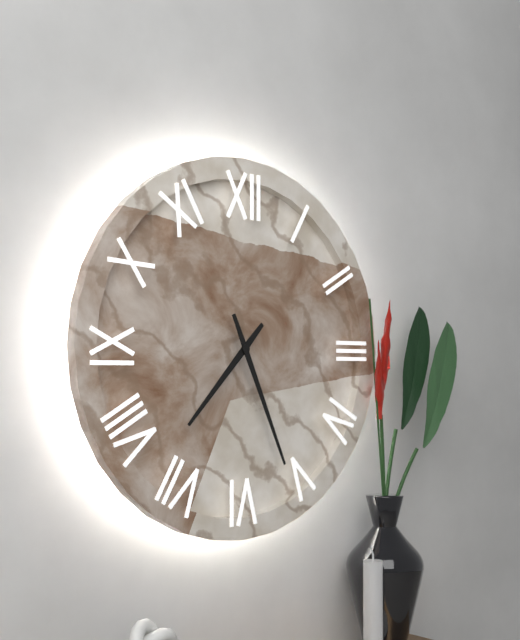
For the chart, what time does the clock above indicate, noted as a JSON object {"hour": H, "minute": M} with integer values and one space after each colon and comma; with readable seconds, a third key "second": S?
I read {"hour": 7, "minute": 26}
